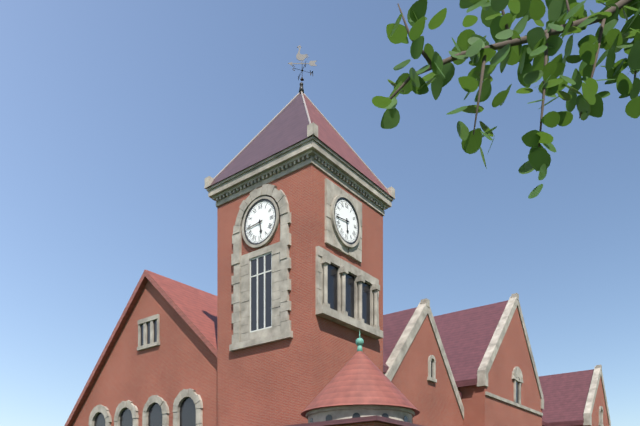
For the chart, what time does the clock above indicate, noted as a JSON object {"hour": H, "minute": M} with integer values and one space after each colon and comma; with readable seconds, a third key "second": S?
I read {"hour": 5, "minute": 44}
